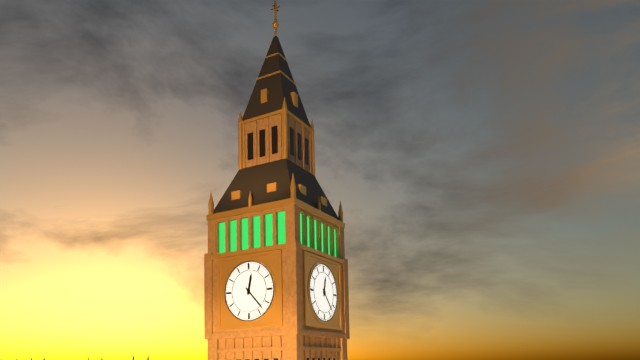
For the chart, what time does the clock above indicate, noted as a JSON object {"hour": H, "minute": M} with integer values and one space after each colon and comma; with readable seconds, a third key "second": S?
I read {"hour": 12, "minute": 23}
